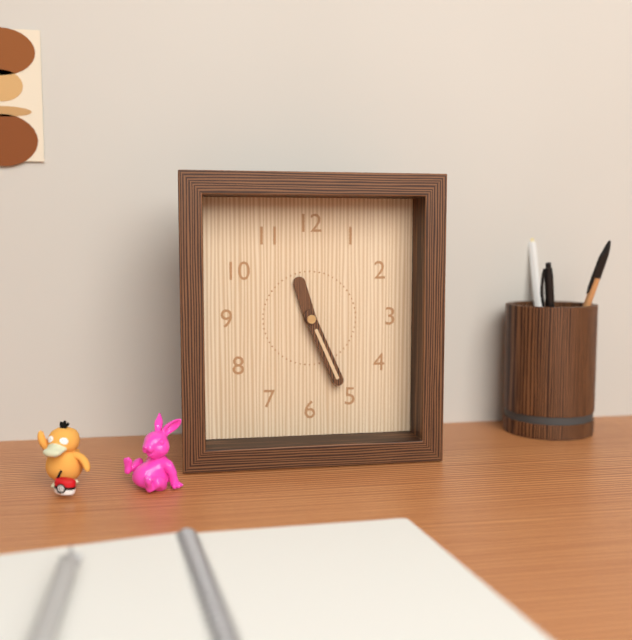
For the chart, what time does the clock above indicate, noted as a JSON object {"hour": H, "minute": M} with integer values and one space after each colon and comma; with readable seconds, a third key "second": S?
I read {"hour": 11, "minute": 26}
